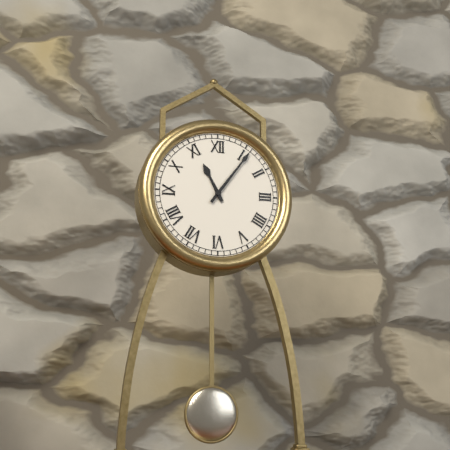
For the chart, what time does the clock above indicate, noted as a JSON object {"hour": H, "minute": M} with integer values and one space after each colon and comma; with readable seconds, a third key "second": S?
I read {"hour": 11, "minute": 6}
